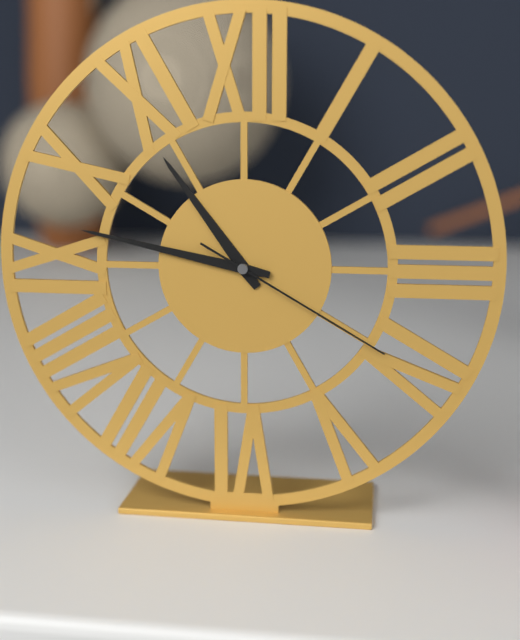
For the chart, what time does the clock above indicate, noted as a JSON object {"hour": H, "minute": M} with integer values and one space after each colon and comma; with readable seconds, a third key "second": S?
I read {"hour": 10, "minute": 47, "second": 20}
